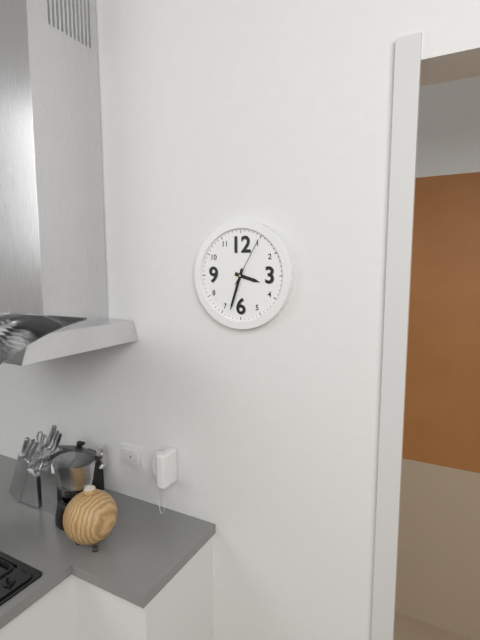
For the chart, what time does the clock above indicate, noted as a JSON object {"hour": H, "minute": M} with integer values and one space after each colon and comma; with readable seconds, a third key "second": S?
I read {"hour": 3, "minute": 33, "second": 5}
